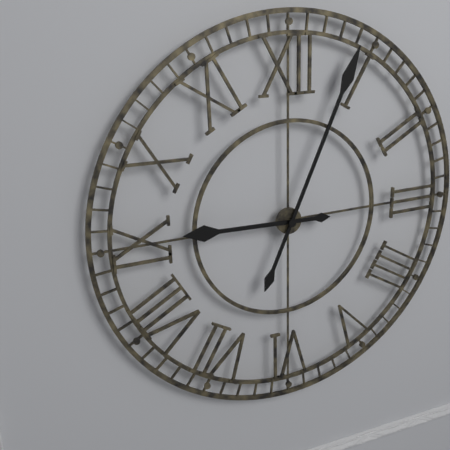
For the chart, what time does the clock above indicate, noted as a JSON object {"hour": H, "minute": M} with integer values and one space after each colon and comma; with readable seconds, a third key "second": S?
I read {"hour": 9, "minute": 4}
